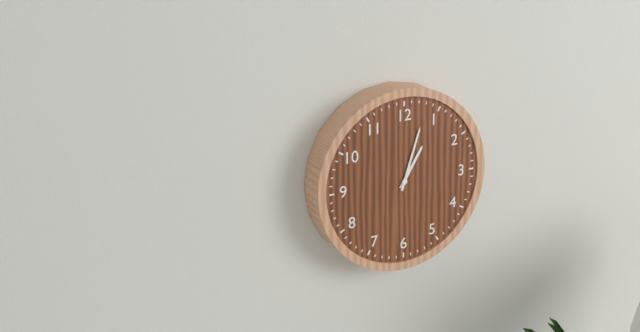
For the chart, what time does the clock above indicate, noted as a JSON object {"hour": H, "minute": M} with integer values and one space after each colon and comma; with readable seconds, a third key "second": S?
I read {"hour": 1, "minute": 3}
